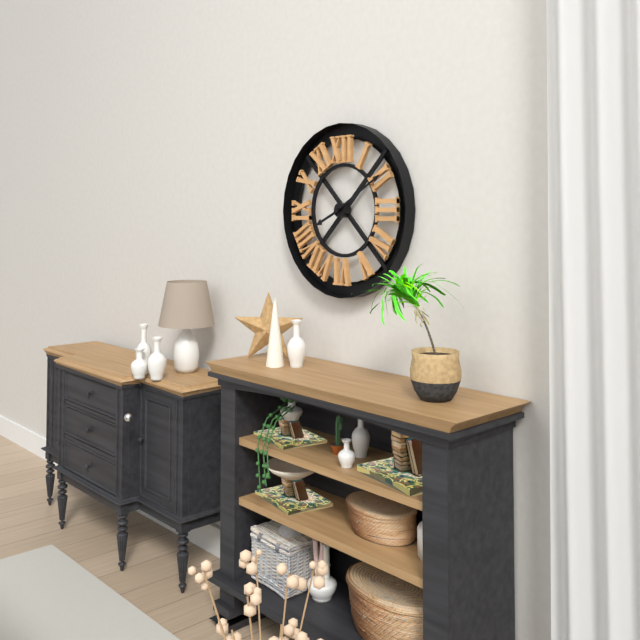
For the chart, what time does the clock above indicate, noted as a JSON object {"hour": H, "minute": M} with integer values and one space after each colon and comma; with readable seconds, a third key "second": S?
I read {"hour": 8, "minute": 10}
